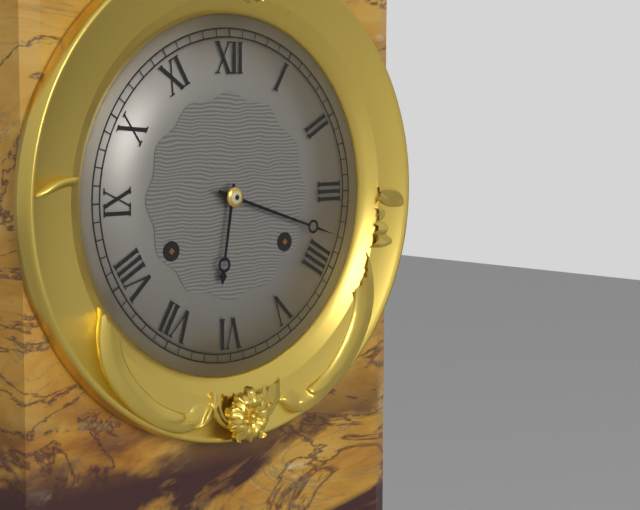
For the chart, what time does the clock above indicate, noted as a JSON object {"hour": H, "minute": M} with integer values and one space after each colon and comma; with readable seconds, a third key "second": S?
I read {"hour": 6, "minute": 18}
